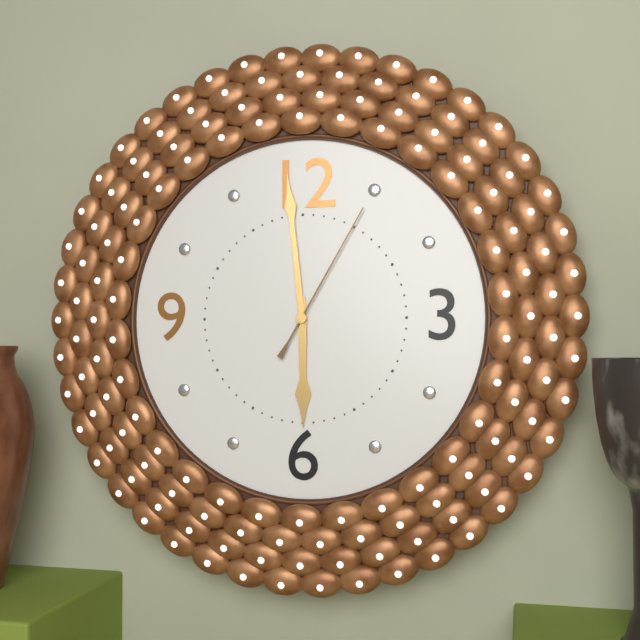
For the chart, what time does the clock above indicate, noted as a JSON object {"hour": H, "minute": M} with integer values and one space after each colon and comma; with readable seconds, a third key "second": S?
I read {"hour": 5, "minute": 59, "second": 5}
